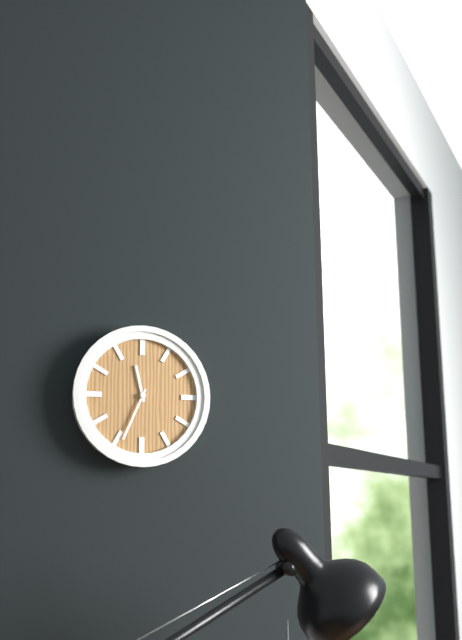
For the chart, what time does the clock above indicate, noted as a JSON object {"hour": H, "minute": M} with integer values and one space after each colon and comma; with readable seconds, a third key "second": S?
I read {"hour": 11, "minute": 34}
